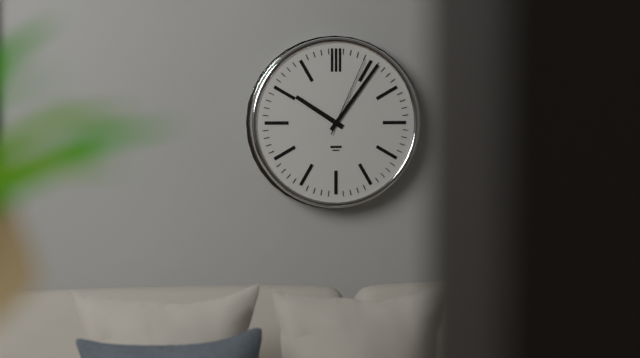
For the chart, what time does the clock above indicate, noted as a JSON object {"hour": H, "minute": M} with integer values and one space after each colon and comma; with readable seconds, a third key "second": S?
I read {"hour": 10, "minute": 6, "second": 4}
